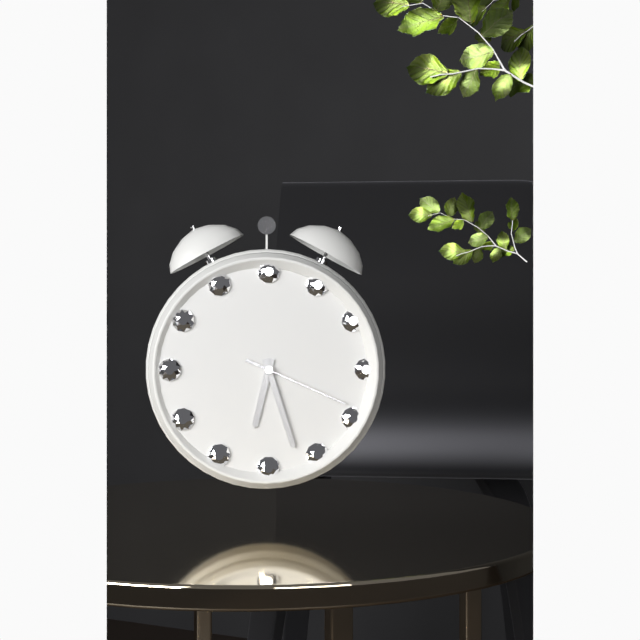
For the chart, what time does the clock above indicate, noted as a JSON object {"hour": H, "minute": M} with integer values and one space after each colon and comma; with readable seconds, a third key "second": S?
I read {"hour": 6, "minute": 27, "second": 19}
